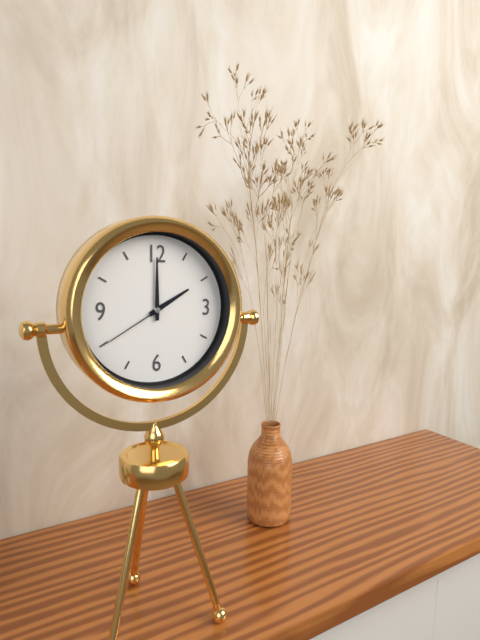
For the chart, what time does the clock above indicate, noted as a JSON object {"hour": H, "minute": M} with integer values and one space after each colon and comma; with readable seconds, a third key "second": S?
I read {"hour": 2, "minute": 0, "second": 40}
